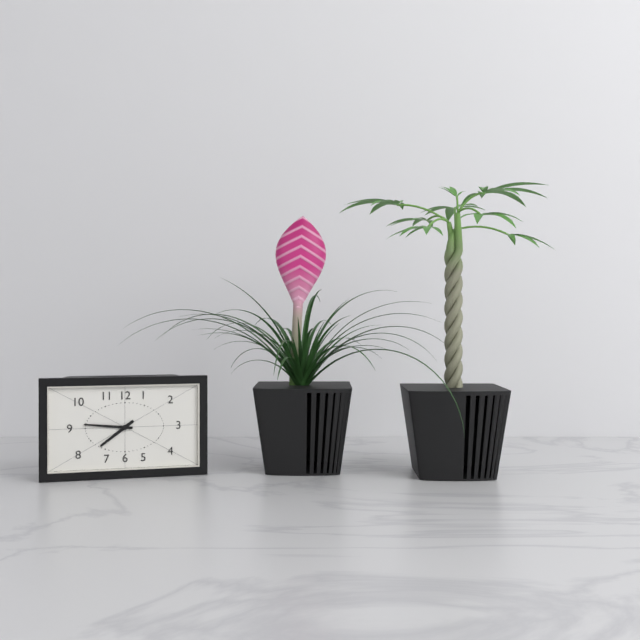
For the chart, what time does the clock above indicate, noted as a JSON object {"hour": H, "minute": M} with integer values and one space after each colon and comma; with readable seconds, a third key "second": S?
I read {"hour": 7, "minute": 46}
